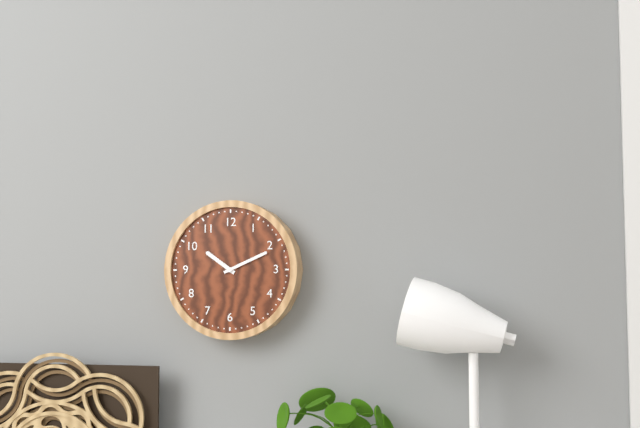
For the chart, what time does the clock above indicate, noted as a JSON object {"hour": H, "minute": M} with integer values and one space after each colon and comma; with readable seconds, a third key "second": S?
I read {"hour": 10, "minute": 11}
